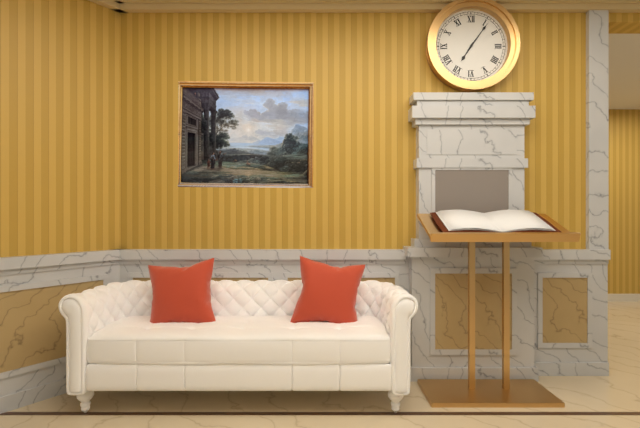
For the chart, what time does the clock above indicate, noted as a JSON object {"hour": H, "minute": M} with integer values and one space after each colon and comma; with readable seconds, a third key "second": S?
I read {"hour": 7, "minute": 6}
